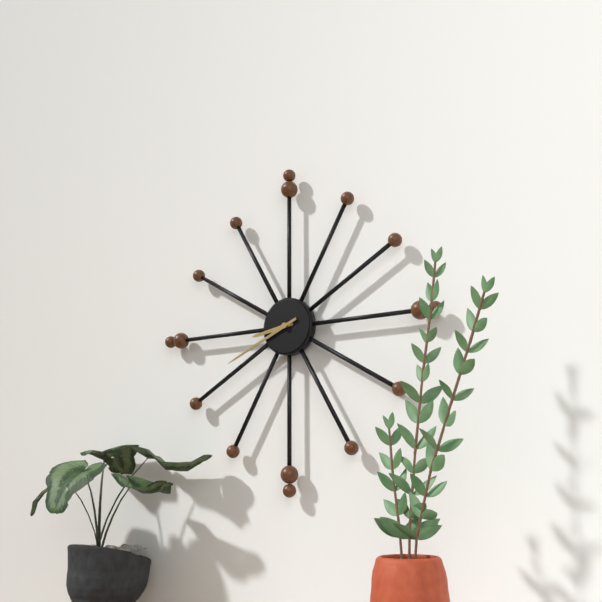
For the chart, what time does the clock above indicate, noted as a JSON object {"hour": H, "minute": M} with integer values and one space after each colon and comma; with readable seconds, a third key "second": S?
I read {"hour": 8, "minute": 41}
